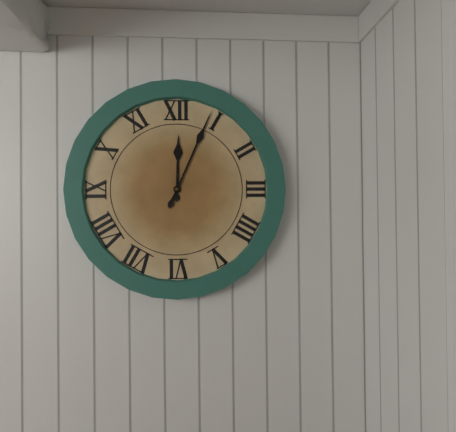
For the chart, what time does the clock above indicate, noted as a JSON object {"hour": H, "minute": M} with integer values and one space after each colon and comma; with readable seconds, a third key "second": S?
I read {"hour": 12, "minute": 4}
